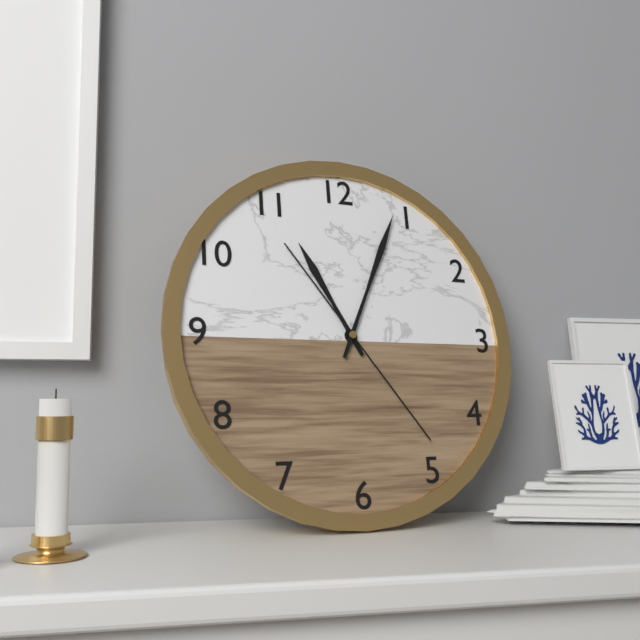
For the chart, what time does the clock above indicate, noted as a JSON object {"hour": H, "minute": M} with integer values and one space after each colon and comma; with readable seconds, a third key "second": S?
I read {"hour": 11, "minute": 4, "second": 24}
